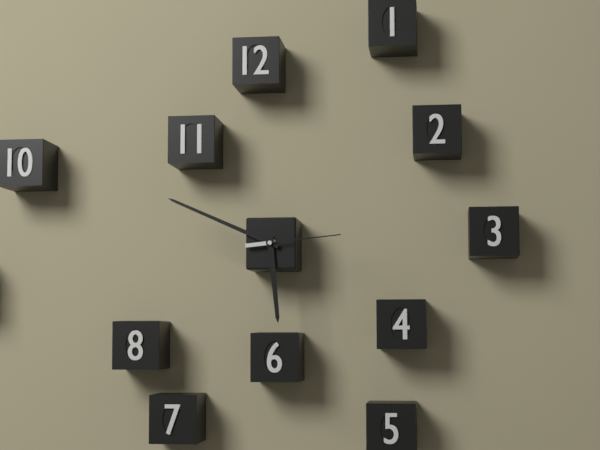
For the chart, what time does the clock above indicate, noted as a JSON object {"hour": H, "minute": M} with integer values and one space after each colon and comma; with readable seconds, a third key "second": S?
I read {"hour": 5, "minute": 49, "second": 14}
